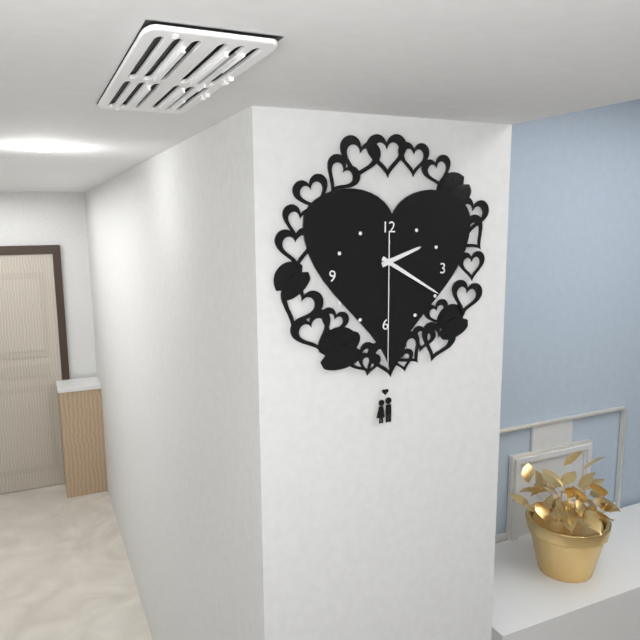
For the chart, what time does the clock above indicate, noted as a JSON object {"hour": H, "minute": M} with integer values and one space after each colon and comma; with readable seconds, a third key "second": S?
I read {"hour": 2, "minute": 20, "second": 30}
